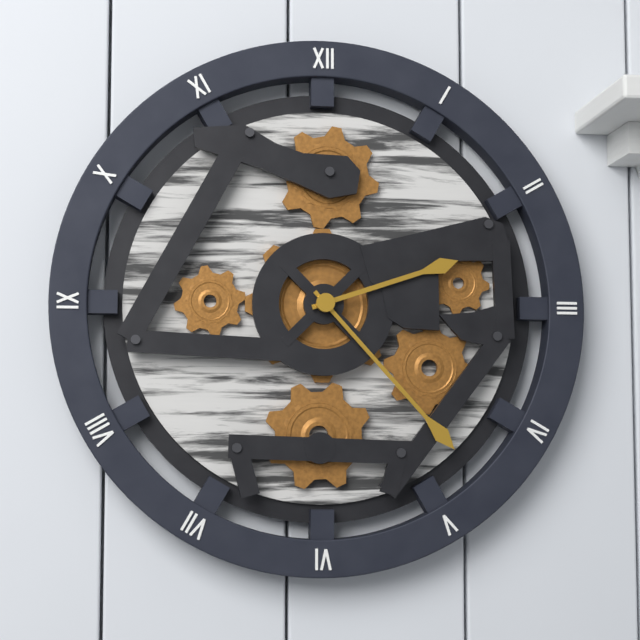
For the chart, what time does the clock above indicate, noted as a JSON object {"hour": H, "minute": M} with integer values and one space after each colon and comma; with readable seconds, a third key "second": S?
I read {"hour": 2, "minute": 23}
